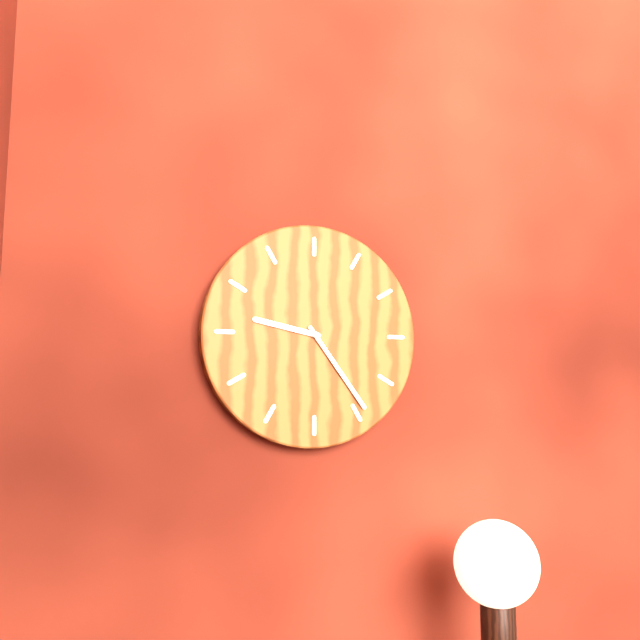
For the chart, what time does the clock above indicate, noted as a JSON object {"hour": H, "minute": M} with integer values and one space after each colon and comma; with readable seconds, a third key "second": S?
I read {"hour": 9, "minute": 24}
